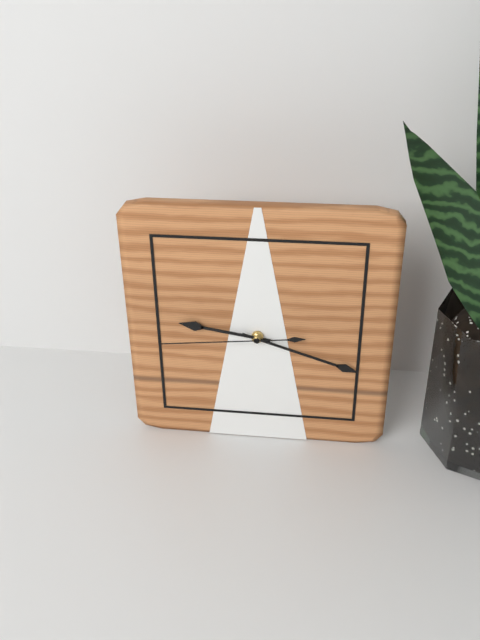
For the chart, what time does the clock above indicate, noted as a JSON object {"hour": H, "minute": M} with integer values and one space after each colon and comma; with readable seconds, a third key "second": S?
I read {"hour": 9, "minute": 18, "second": 44}
